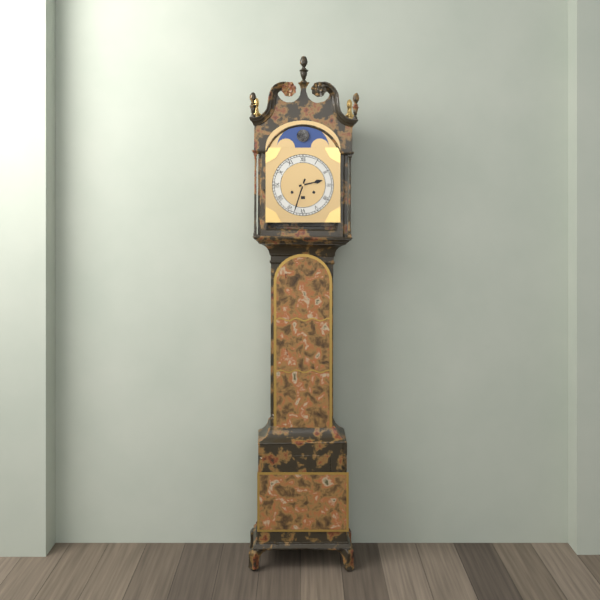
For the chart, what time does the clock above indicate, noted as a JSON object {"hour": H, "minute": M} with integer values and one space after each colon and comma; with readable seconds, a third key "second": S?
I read {"hour": 2, "minute": 33}
